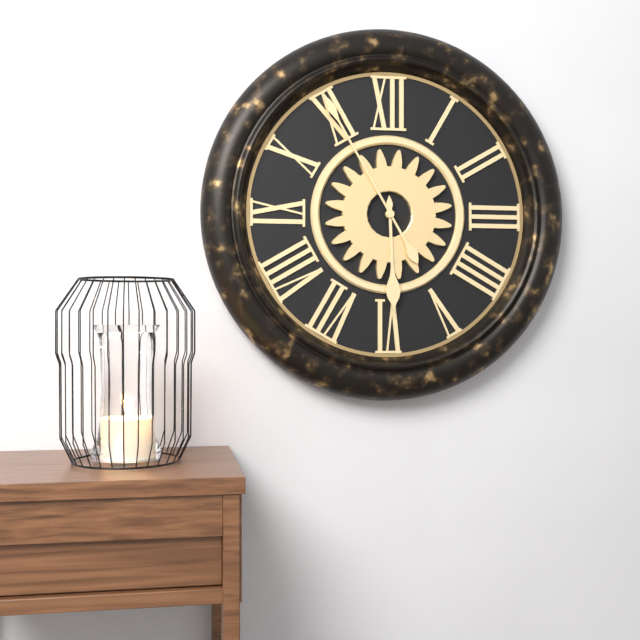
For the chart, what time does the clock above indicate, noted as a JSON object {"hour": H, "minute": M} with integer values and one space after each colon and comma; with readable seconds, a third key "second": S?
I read {"hour": 5, "minute": 55}
